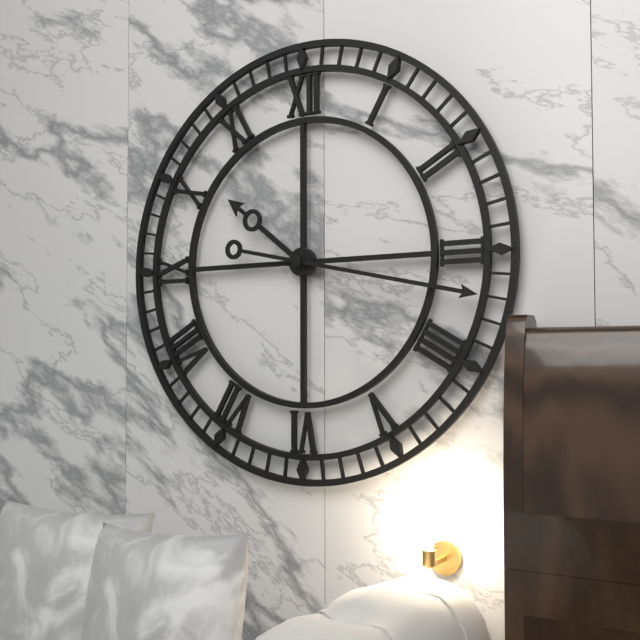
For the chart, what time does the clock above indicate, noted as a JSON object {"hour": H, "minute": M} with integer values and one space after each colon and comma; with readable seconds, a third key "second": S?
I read {"hour": 10, "minute": 17}
